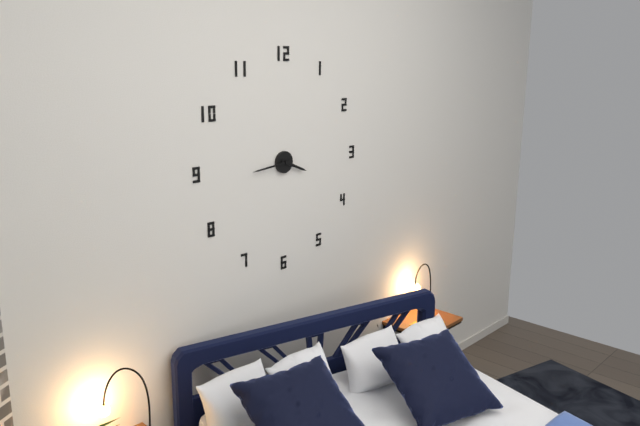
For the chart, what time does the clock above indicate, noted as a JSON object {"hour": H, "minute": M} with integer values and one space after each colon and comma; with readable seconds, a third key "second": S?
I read {"hour": 3, "minute": 44}
